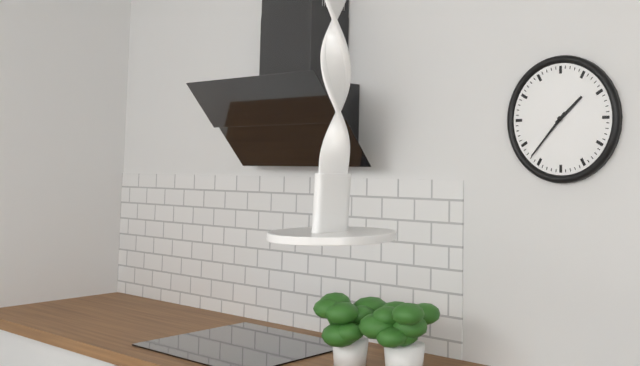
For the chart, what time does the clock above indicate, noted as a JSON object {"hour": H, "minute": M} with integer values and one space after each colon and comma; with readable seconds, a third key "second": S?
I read {"hour": 1, "minute": 37}
